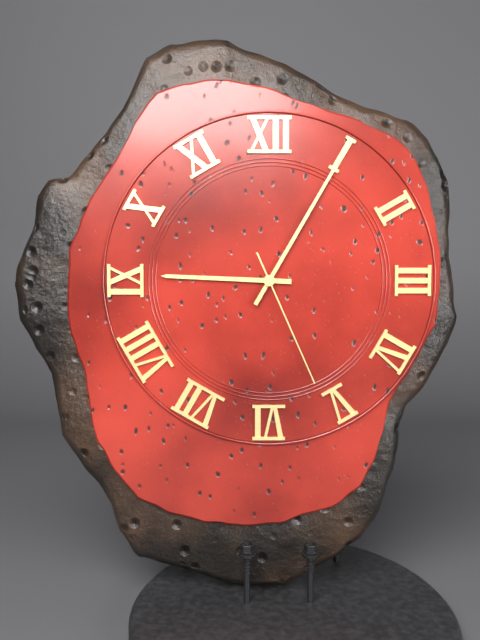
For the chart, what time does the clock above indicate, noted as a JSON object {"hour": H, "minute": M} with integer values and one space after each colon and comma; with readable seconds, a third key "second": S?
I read {"hour": 9, "minute": 5, "second": 26}
